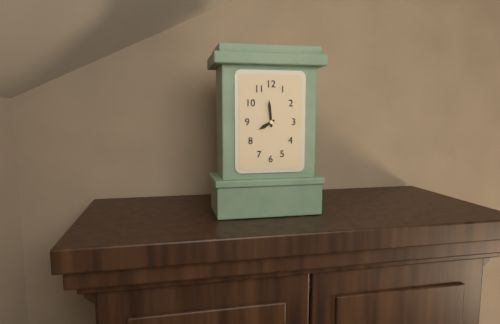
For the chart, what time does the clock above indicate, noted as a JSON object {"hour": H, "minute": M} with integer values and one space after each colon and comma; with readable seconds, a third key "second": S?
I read {"hour": 7, "minute": 59}
